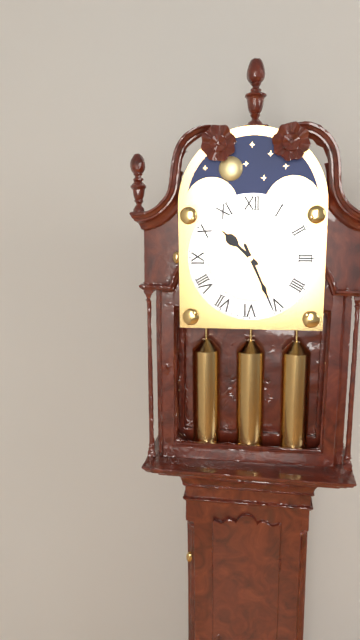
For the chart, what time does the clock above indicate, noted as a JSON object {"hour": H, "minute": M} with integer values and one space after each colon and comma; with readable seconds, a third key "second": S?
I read {"hour": 10, "minute": 26}
